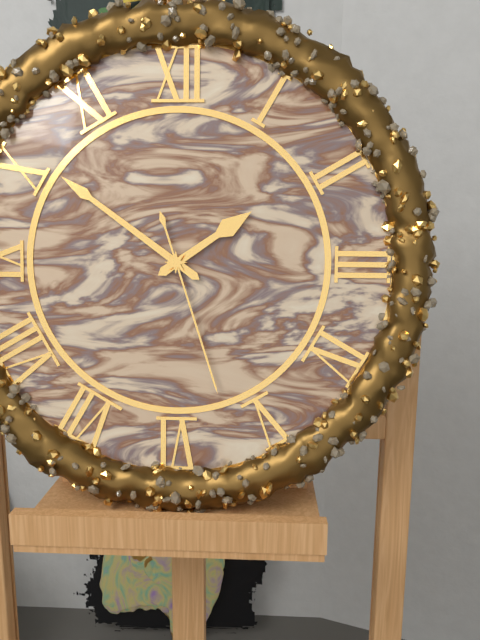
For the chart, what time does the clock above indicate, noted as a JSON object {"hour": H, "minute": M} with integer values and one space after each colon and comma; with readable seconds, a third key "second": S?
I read {"hour": 1, "minute": 51, "second": 27}
